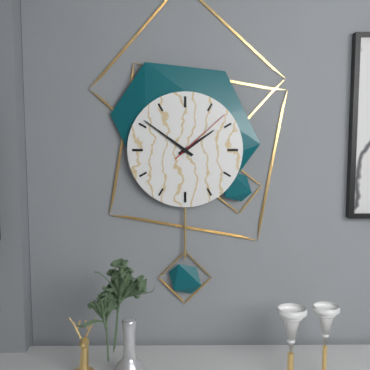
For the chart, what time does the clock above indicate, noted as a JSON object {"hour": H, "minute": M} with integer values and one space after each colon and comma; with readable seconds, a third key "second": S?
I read {"hour": 1, "minute": 51, "second": 8}
